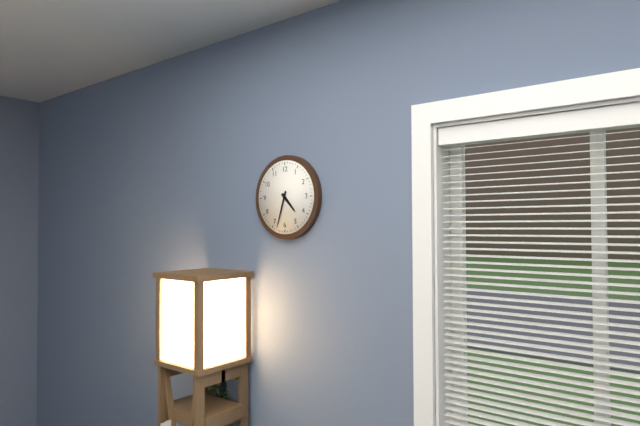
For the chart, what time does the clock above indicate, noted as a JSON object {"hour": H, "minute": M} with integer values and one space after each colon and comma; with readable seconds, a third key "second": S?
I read {"hour": 4, "minute": 33}
